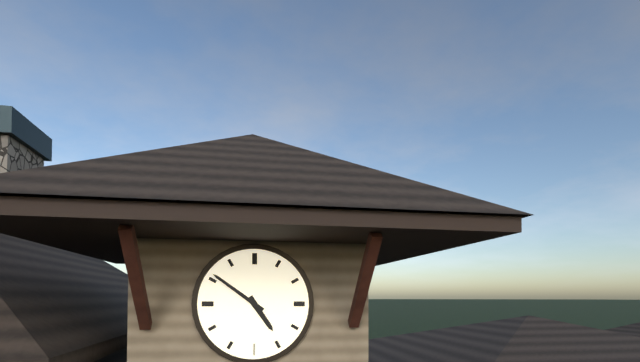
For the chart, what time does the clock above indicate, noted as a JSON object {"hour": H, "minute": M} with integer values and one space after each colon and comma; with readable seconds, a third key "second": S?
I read {"hour": 4, "minute": 51}
